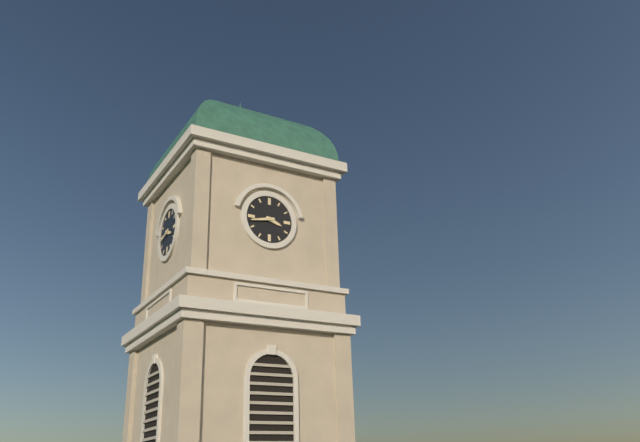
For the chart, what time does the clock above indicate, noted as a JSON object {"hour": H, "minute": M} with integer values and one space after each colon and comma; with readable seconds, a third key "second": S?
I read {"hour": 3, "minute": 43}
